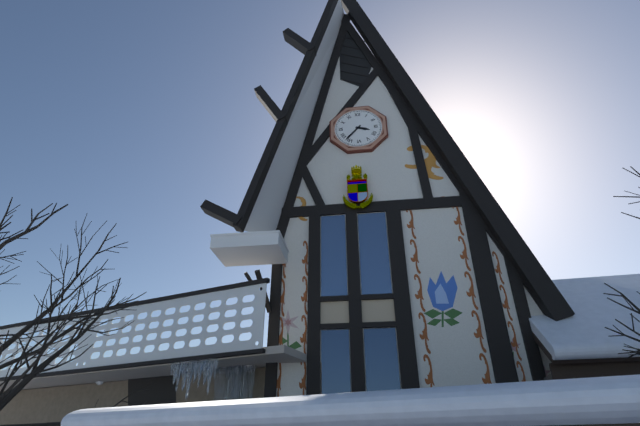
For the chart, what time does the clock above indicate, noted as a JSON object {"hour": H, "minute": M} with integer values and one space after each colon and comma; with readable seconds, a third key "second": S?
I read {"hour": 3, "minute": 37}
